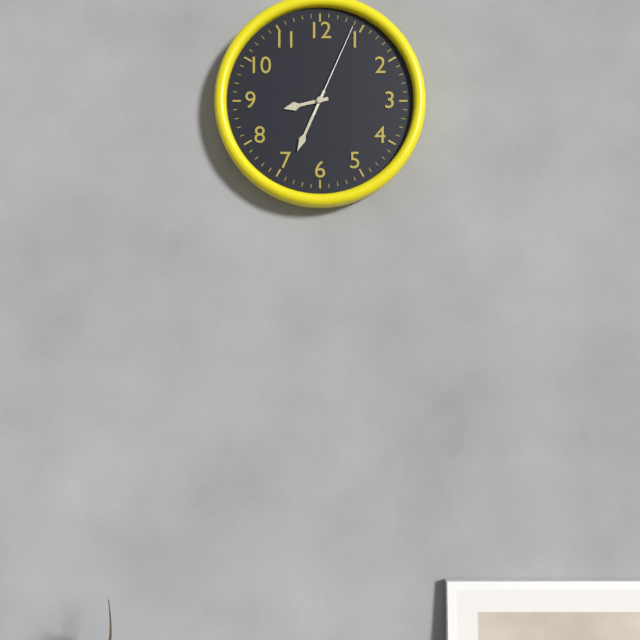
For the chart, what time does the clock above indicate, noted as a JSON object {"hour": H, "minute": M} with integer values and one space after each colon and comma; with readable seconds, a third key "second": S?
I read {"hour": 8, "minute": 34, "second": 4}
